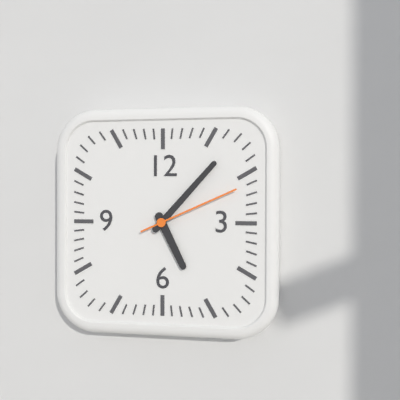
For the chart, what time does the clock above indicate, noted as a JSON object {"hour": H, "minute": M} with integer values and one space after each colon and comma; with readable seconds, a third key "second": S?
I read {"hour": 5, "minute": 7, "second": 11}
